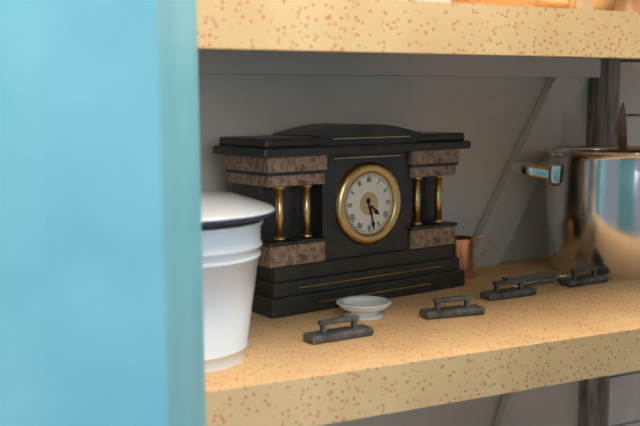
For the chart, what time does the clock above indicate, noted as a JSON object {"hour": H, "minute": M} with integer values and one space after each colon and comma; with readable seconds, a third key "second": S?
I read {"hour": 4, "minute": 28}
